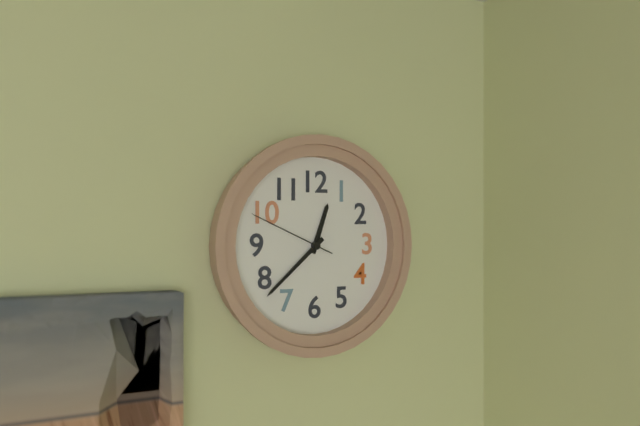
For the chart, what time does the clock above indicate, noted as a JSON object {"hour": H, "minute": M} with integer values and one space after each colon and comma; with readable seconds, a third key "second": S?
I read {"hour": 12, "minute": 38, "second": 49}
